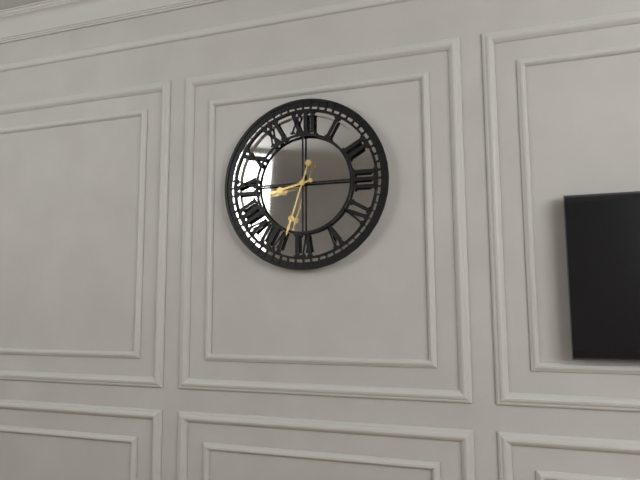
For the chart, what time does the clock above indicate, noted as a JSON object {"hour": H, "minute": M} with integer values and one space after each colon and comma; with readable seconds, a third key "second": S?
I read {"hour": 8, "minute": 33}
